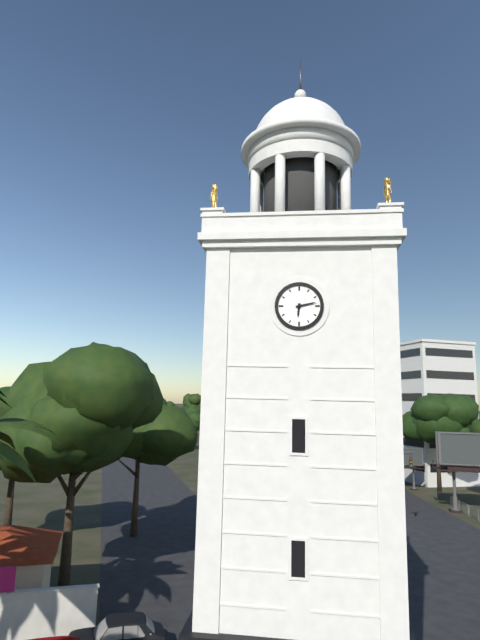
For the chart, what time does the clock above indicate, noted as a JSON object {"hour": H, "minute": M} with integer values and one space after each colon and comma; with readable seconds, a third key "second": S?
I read {"hour": 6, "minute": 13}
